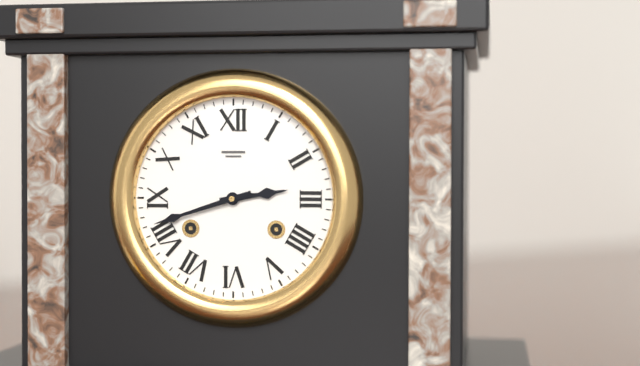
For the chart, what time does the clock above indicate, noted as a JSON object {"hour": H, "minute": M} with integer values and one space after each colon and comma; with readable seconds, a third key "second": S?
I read {"hour": 2, "minute": 42}
